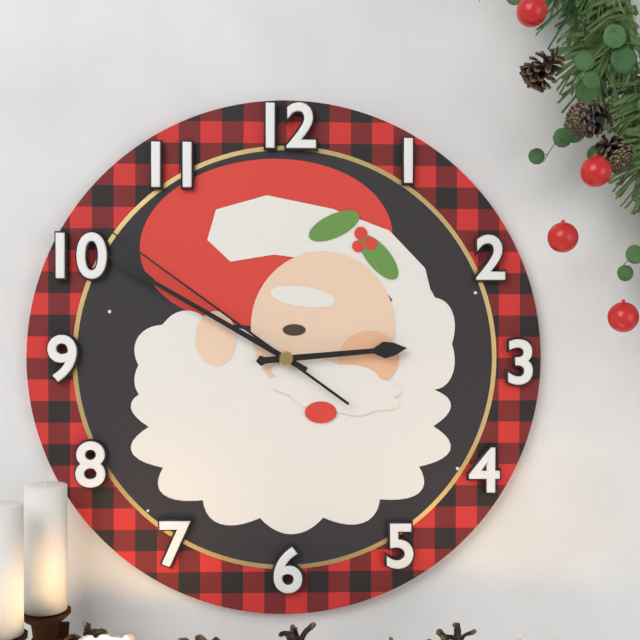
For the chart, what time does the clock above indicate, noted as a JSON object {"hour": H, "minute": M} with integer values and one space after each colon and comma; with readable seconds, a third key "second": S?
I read {"hour": 2, "minute": 50, "second": 51}
